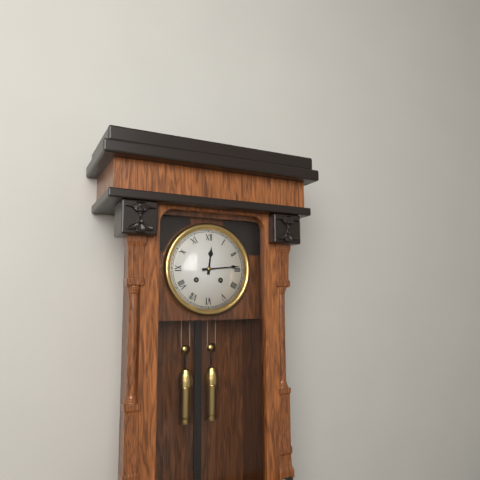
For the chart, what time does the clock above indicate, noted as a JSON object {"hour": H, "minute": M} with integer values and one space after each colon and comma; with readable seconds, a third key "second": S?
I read {"hour": 12, "minute": 14}
